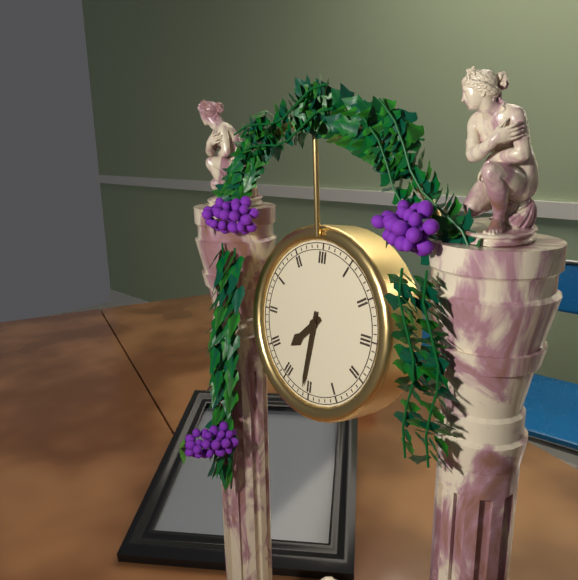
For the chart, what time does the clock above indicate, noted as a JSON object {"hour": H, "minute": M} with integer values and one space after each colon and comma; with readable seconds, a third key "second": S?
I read {"hour": 7, "minute": 31}
